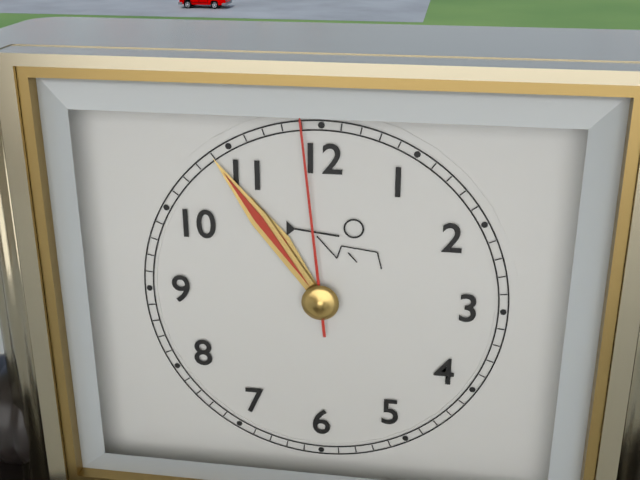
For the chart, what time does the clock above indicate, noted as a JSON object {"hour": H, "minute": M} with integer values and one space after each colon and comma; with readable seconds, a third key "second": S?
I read {"hour": 10, "minute": 54, "second": 59}
